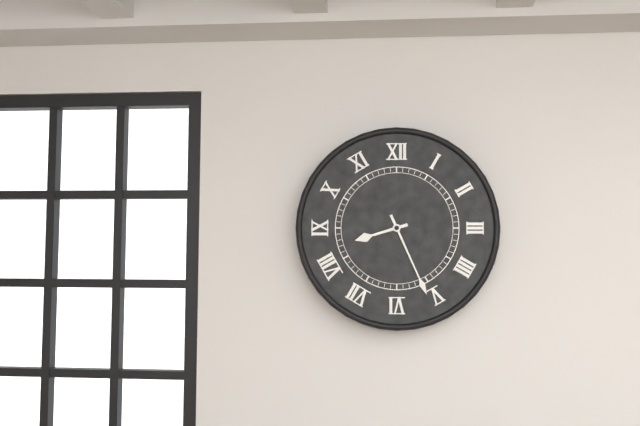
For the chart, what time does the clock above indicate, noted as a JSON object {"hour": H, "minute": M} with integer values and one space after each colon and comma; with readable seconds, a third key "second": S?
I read {"hour": 8, "minute": 26}
